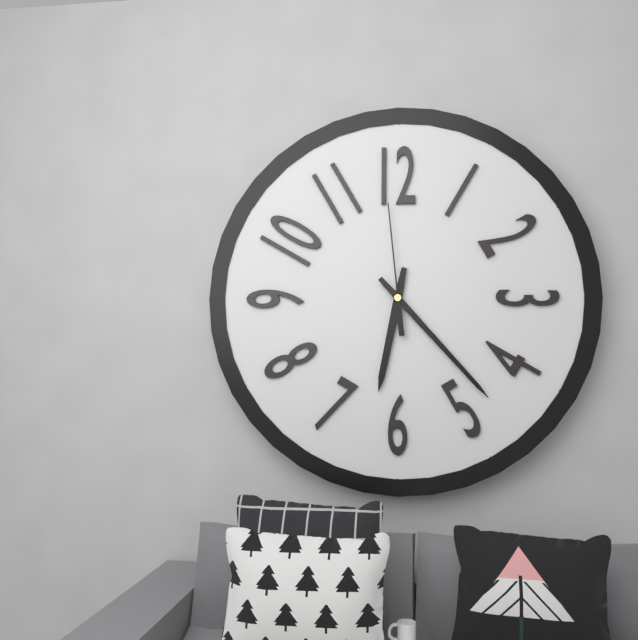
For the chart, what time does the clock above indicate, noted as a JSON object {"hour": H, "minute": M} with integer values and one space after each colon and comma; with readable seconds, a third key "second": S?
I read {"hour": 6, "minute": 23, "second": 59}
